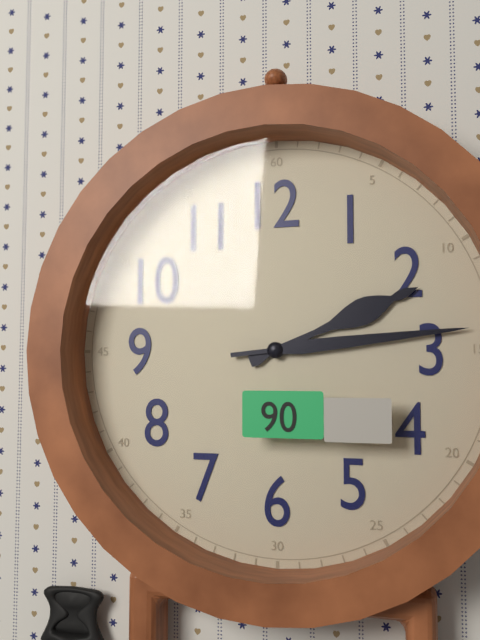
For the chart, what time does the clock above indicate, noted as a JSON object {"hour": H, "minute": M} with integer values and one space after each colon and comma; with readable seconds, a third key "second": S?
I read {"hour": 2, "minute": 14}
